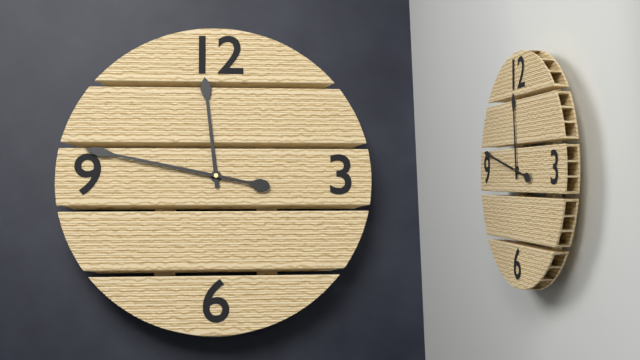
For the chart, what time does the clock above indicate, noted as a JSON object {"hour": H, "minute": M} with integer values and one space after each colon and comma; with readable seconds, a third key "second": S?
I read {"hour": 11, "minute": 47}
